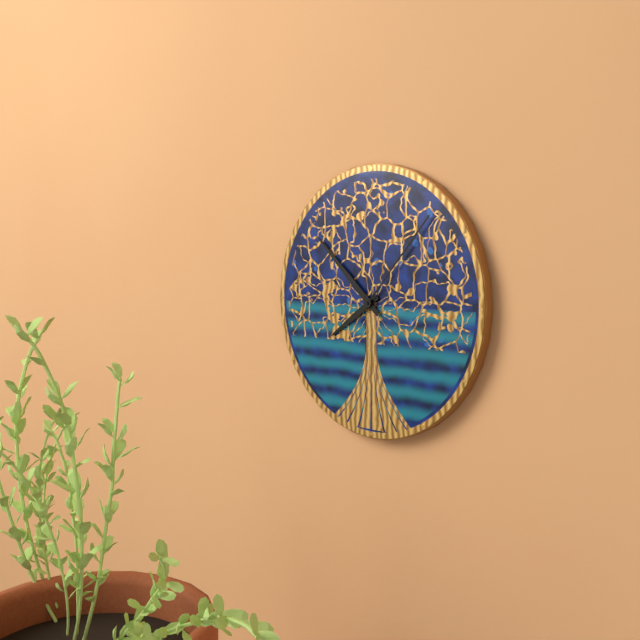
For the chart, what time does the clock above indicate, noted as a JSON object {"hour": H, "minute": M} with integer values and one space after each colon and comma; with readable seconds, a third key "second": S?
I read {"hour": 7, "minute": 52, "second": 7}
